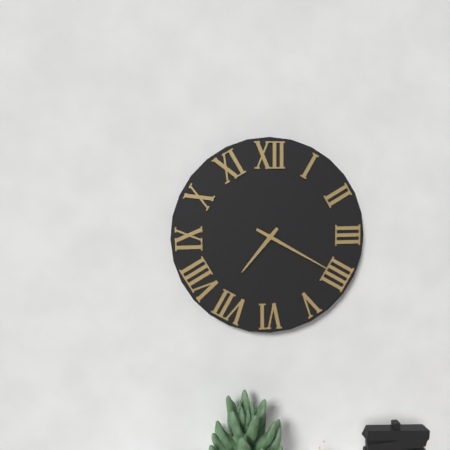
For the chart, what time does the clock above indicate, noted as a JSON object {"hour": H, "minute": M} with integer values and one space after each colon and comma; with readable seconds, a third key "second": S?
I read {"hour": 7, "minute": 20}
